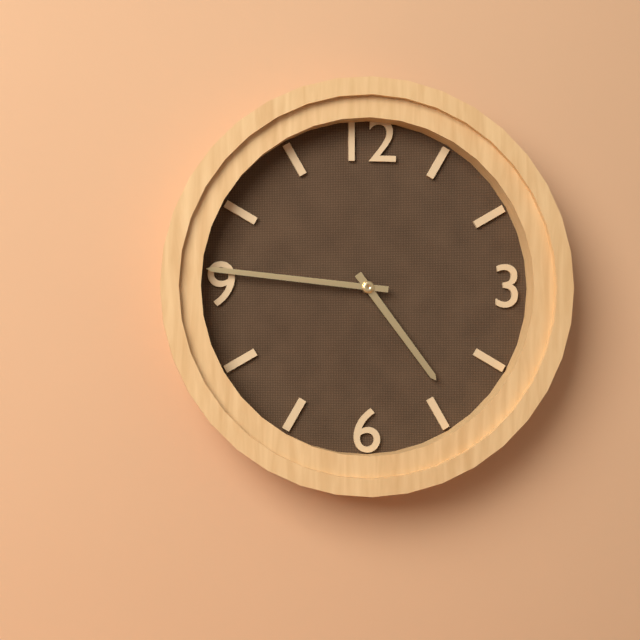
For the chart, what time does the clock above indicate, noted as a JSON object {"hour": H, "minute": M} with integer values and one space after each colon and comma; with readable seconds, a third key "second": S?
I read {"hour": 4, "minute": 46}
